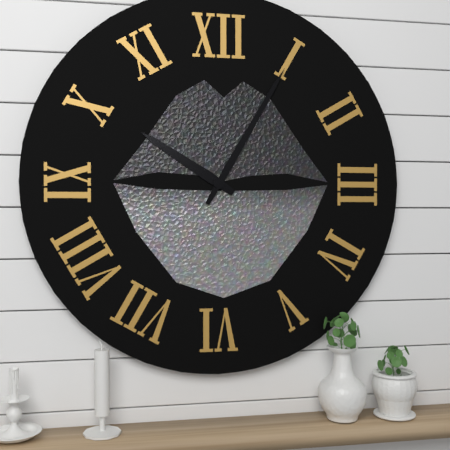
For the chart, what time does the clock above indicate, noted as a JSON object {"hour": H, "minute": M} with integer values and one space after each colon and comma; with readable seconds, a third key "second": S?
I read {"hour": 10, "minute": 5}
